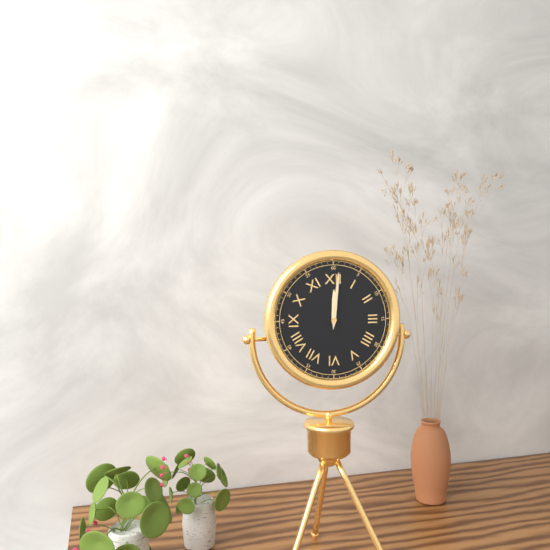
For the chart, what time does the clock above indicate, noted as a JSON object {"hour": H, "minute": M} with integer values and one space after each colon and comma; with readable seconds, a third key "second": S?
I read {"hour": 12, "minute": 1}
